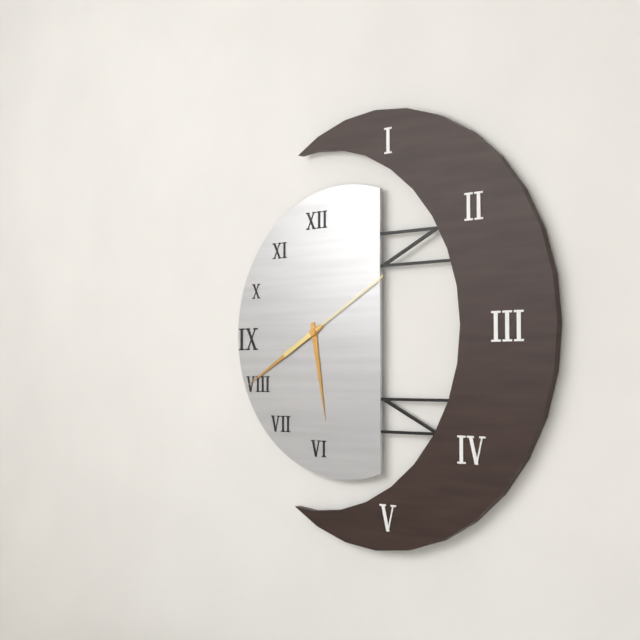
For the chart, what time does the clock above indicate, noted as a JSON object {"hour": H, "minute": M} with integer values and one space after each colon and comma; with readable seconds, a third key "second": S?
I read {"hour": 5, "minute": 40, "second": 10}
